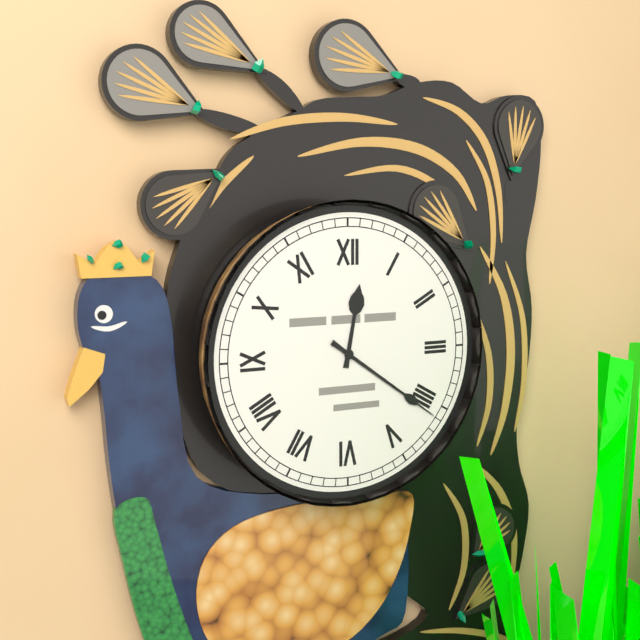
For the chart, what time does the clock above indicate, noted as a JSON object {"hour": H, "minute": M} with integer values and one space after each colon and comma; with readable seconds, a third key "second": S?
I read {"hour": 12, "minute": 21}
